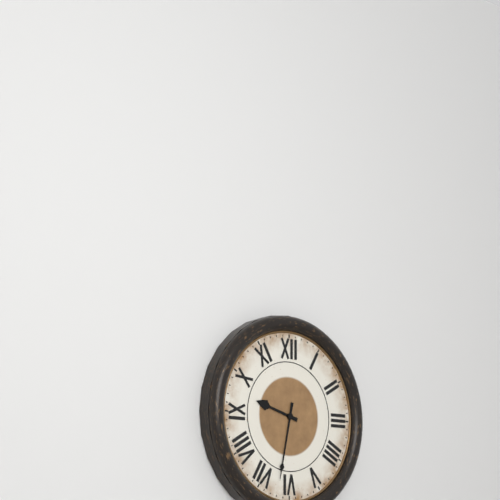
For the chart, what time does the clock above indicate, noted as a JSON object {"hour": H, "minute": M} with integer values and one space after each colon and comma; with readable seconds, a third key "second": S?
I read {"hour": 9, "minute": 32}
